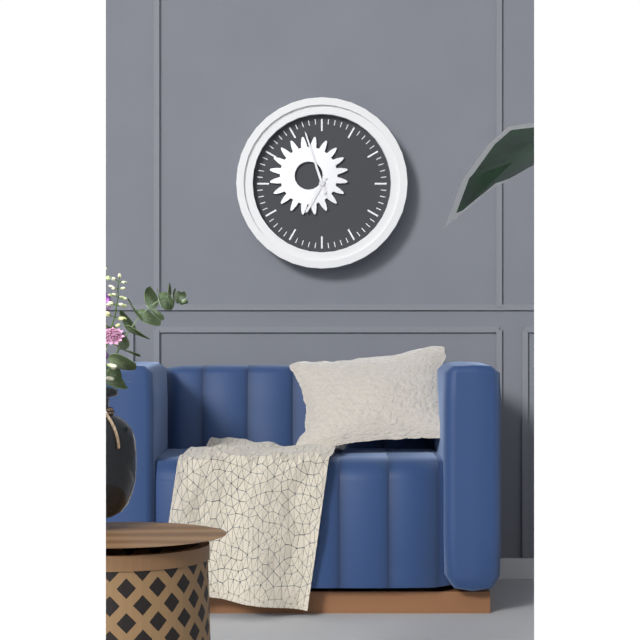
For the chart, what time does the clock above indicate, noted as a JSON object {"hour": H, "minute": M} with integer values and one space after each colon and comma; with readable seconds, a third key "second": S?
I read {"hour": 6, "minute": 57}
